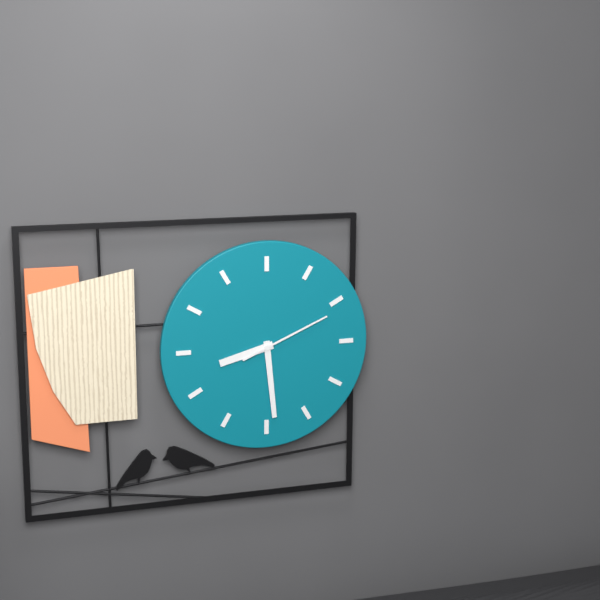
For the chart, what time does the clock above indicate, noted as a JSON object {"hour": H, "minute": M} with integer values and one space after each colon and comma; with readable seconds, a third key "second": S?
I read {"hour": 8, "minute": 29, "second": 11}
